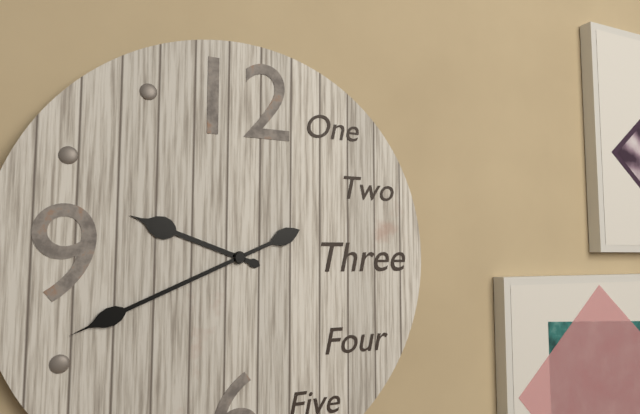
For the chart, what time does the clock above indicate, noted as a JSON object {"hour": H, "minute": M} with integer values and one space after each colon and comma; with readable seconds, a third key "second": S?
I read {"hour": 9, "minute": 41}
